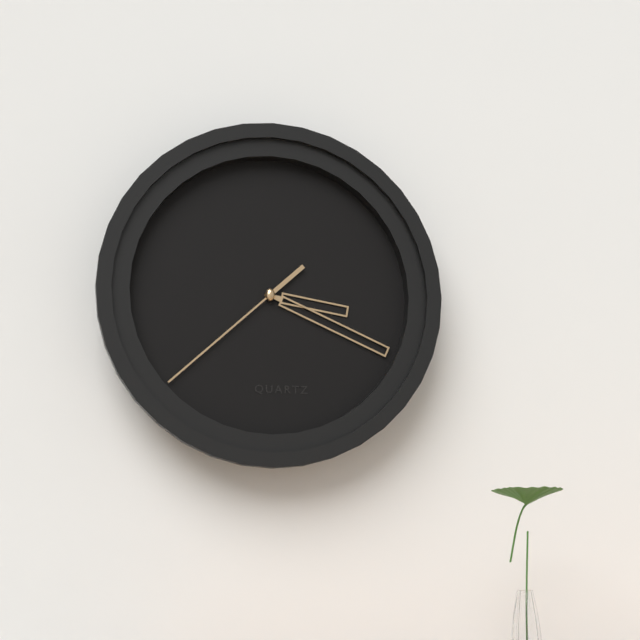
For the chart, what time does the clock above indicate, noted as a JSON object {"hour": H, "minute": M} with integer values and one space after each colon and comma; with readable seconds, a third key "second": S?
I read {"hour": 3, "minute": 19, "second": 38}
